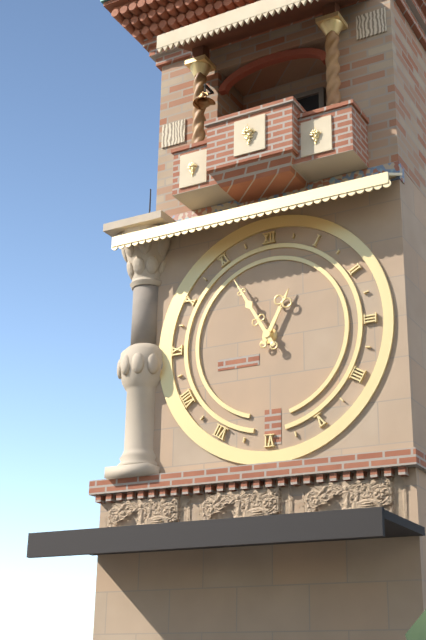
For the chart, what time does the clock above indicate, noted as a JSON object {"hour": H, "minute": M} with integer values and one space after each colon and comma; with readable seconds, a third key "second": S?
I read {"hour": 12, "minute": 55}
